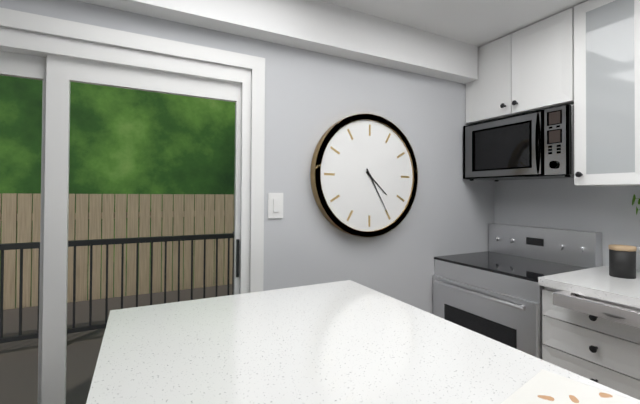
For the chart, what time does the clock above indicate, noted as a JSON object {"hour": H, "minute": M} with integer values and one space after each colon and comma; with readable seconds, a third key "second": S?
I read {"hour": 4, "minute": 25}
